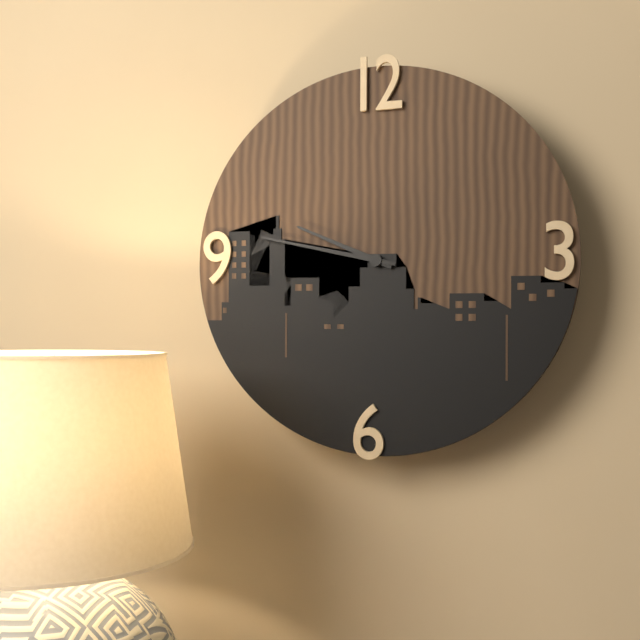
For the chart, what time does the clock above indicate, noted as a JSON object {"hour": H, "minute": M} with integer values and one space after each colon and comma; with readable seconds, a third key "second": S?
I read {"hour": 9, "minute": 47}
